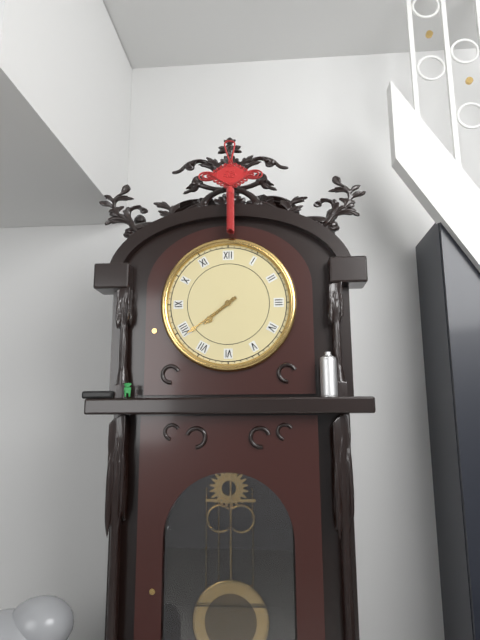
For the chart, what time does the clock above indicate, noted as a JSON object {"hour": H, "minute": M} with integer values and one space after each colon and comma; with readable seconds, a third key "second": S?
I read {"hour": 7, "minute": 39}
